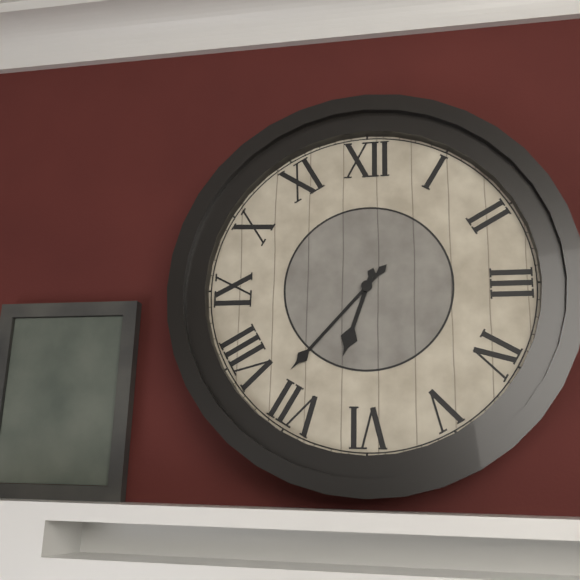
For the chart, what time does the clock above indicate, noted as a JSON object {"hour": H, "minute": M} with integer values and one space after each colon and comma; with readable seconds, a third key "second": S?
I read {"hour": 6, "minute": 37}
